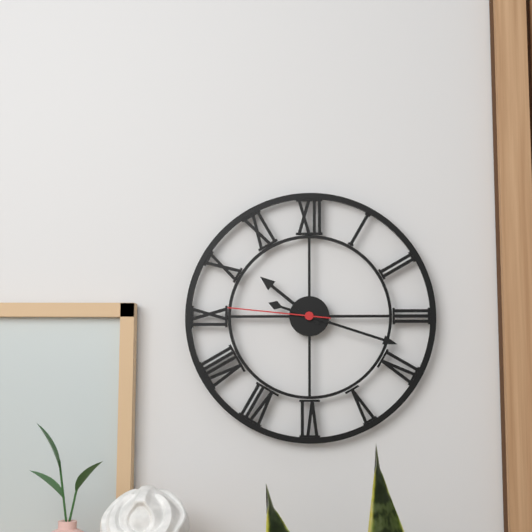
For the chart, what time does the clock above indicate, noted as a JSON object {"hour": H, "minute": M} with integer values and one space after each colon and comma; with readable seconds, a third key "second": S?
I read {"hour": 10, "minute": 18, "second": 46}
